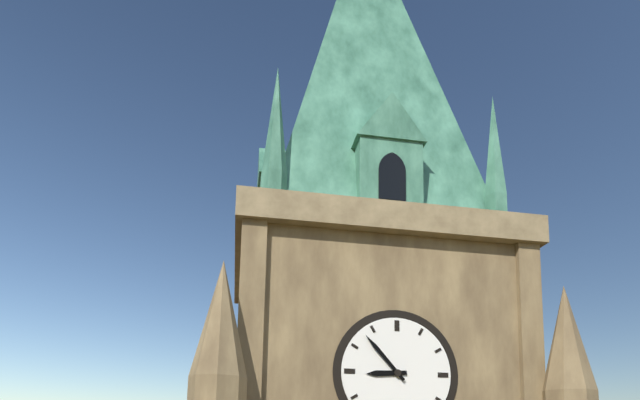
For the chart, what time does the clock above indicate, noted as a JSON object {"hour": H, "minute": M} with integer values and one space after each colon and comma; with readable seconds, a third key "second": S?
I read {"hour": 8, "minute": 53}
